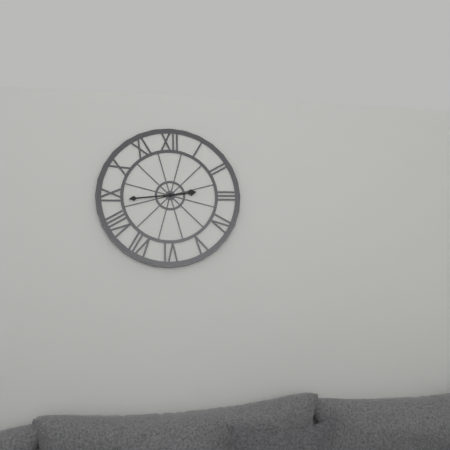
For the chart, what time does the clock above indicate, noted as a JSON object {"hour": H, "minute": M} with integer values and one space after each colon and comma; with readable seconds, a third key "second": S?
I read {"hour": 2, "minute": 44}
